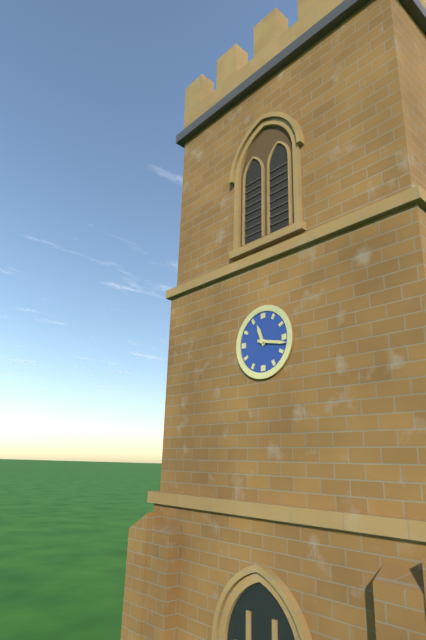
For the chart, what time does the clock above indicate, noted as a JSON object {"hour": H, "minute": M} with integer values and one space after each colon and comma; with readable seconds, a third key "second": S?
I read {"hour": 11, "minute": 17}
